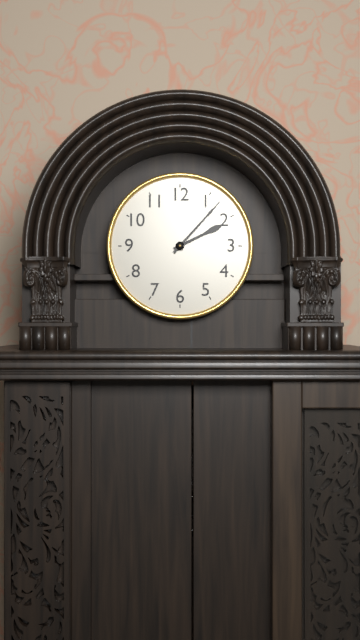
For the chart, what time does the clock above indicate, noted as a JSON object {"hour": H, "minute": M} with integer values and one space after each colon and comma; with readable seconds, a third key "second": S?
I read {"hour": 2, "minute": 7}
